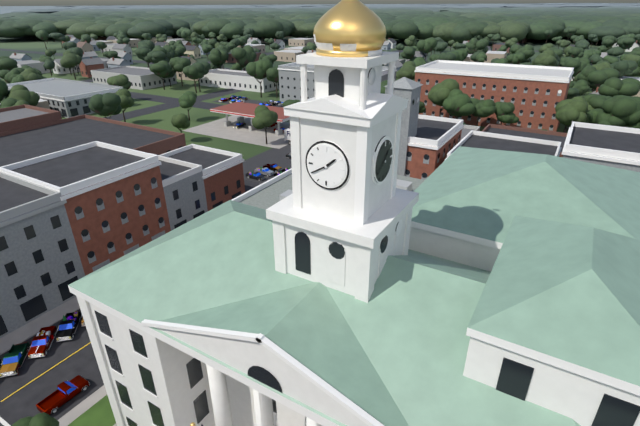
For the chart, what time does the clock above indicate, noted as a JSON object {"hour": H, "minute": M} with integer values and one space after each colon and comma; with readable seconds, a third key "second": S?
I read {"hour": 1, "minute": 40}
